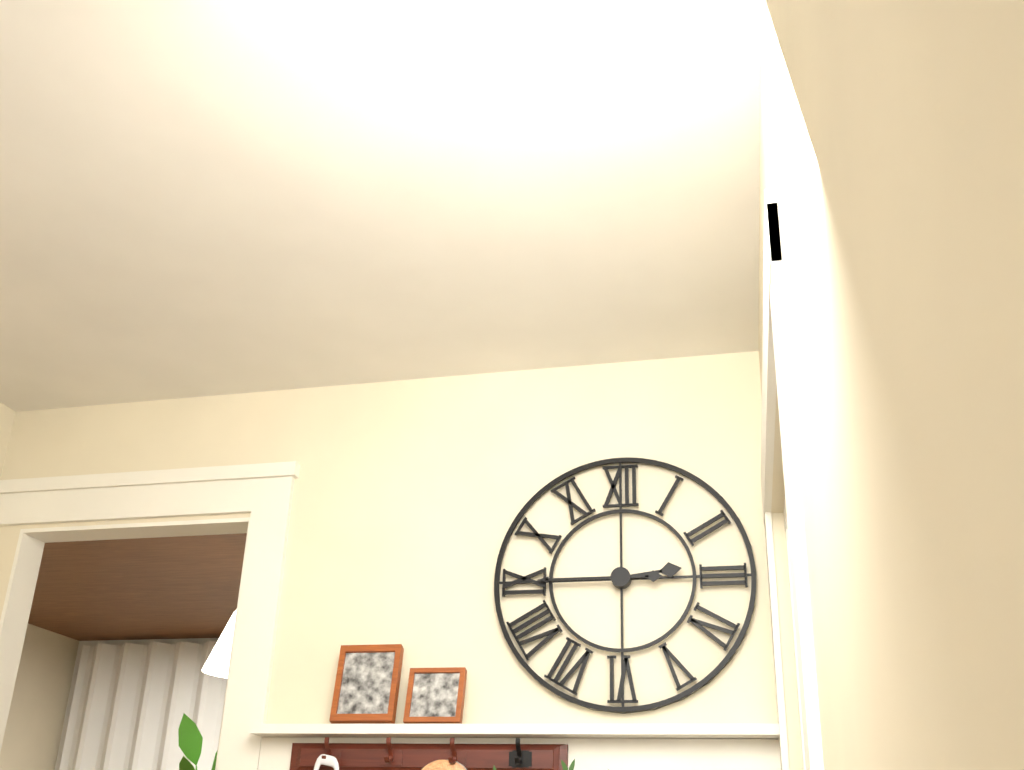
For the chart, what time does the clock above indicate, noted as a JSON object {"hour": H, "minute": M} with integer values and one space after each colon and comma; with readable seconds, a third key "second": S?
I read {"hour": 2, "minute": 45}
